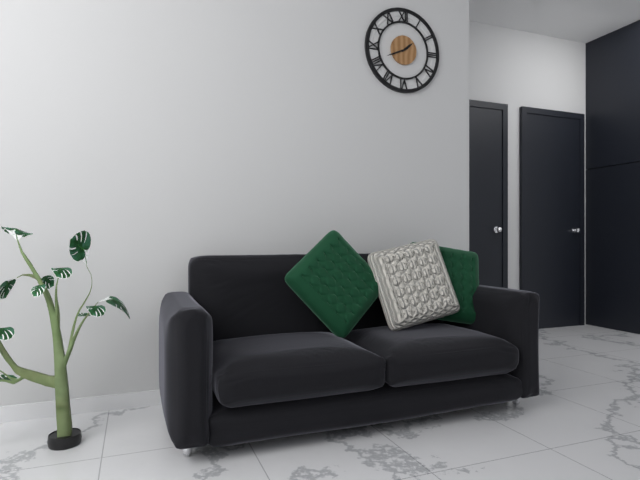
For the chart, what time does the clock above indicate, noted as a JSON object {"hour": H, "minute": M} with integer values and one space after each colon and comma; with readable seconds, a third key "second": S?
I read {"hour": 1, "minute": 41}
